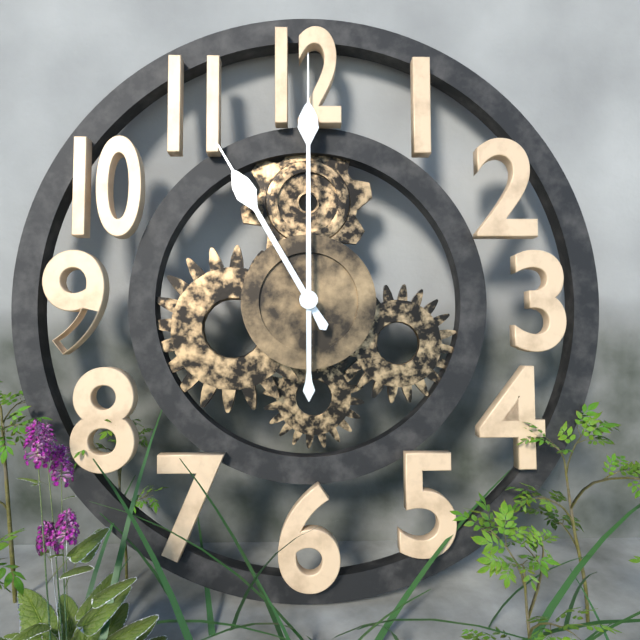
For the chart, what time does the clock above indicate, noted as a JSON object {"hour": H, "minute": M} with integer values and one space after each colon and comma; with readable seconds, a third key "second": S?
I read {"hour": 11, "minute": 0}
